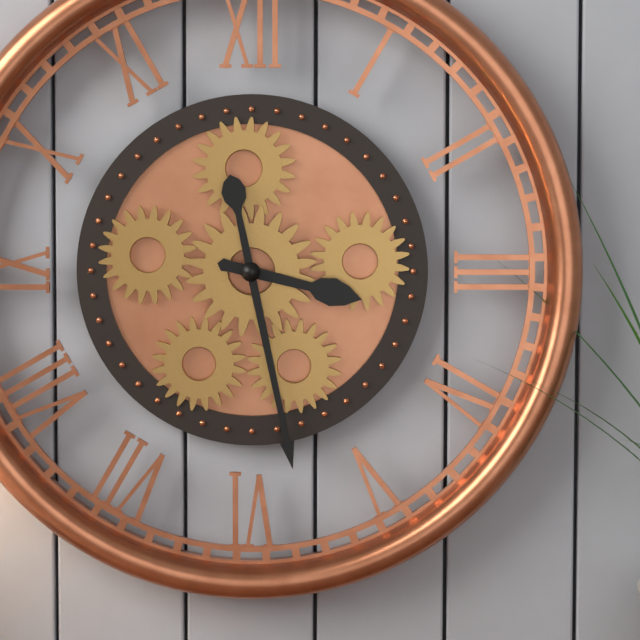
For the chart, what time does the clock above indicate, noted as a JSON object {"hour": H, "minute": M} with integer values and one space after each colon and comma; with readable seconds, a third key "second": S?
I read {"hour": 3, "minute": 28}
